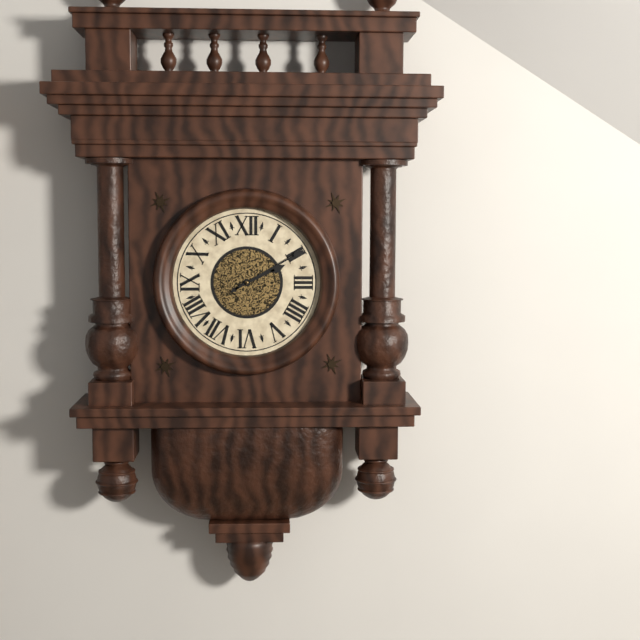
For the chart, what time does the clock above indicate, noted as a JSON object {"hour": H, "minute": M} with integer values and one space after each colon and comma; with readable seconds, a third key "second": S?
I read {"hour": 2, "minute": 10}
